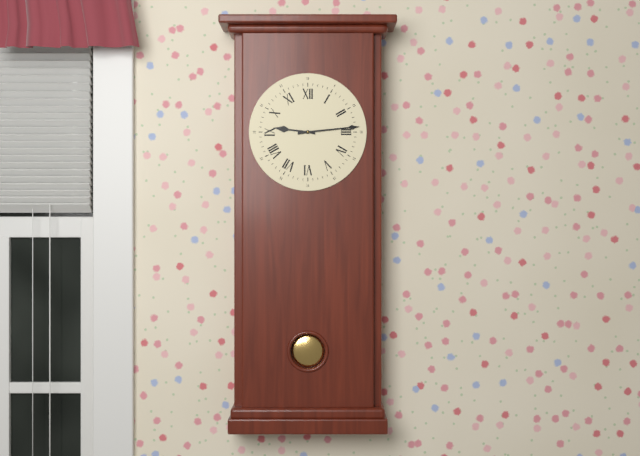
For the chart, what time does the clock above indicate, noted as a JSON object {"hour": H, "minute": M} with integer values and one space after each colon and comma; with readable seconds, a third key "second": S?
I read {"hour": 9, "minute": 14}
